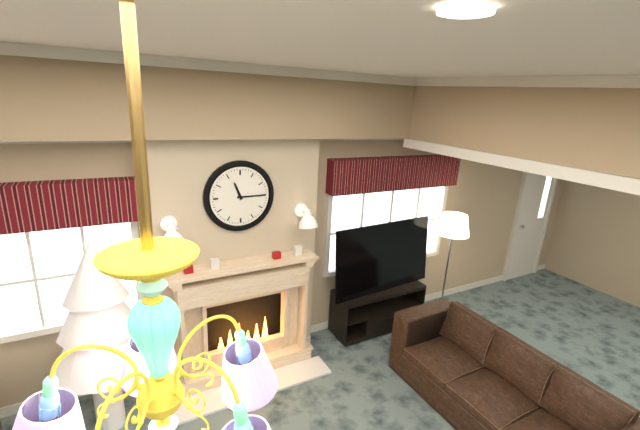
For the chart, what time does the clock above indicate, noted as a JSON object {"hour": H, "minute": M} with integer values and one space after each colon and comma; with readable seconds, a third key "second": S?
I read {"hour": 11, "minute": 15}
